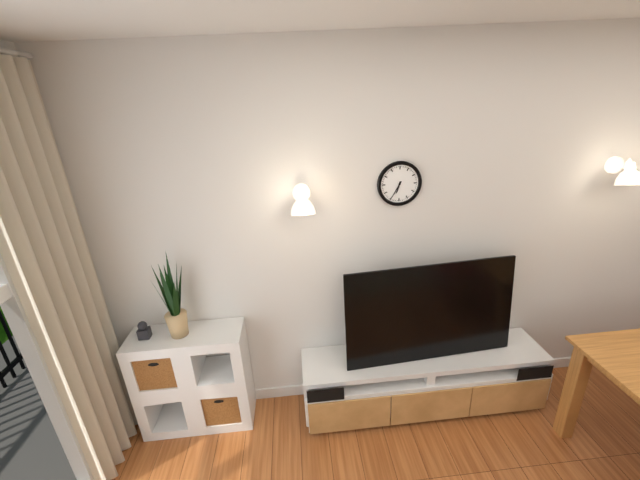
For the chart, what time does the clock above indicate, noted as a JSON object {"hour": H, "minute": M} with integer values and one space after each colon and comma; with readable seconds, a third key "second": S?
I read {"hour": 6, "minute": 35}
